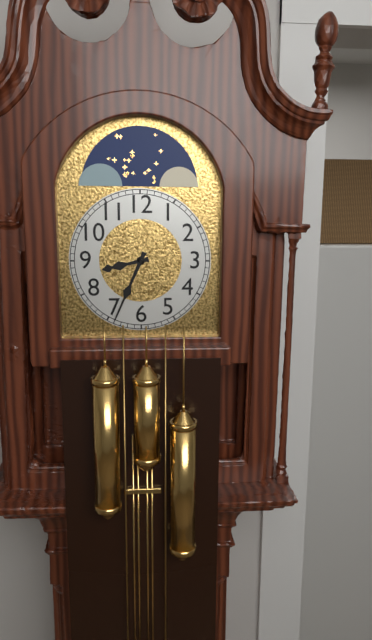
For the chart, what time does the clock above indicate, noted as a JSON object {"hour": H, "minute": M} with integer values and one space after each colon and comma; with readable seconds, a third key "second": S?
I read {"hour": 8, "minute": 34}
